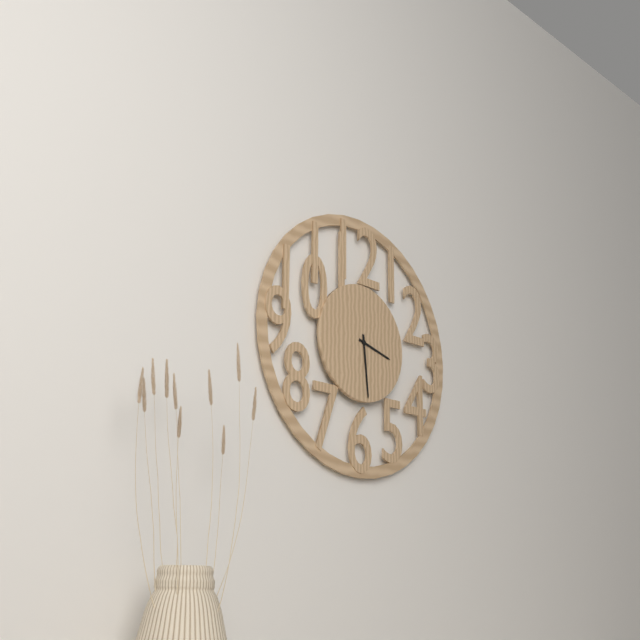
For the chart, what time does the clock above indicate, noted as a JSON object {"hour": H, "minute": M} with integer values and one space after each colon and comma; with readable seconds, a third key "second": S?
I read {"hour": 3, "minute": 29}
